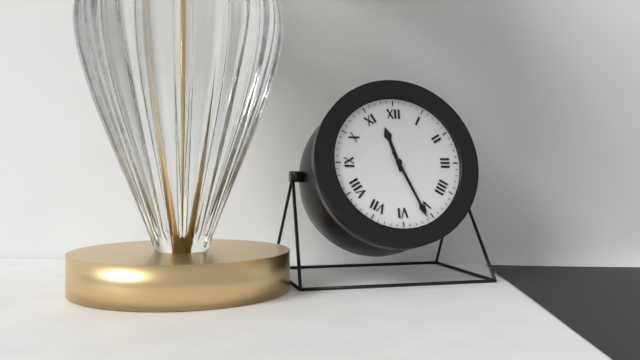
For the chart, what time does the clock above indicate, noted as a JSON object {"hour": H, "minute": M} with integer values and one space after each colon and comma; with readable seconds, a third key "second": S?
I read {"hour": 11, "minute": 26}
